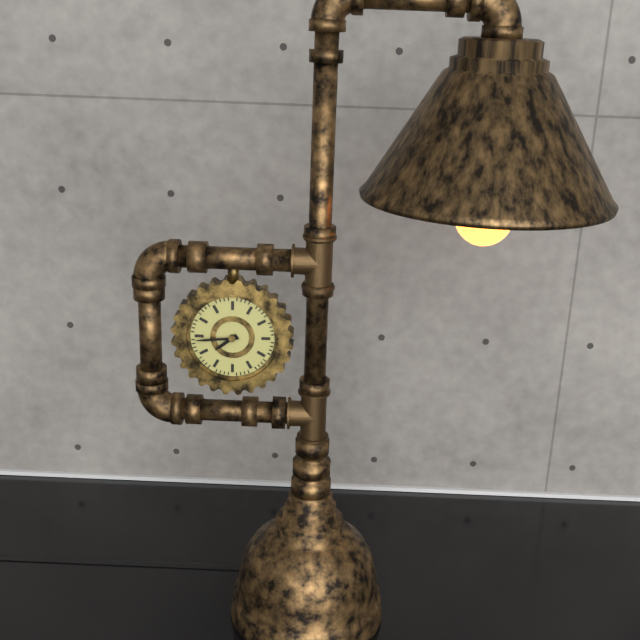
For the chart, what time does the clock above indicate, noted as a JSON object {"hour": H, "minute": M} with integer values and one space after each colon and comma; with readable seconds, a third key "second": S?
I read {"hour": 7, "minute": 44}
